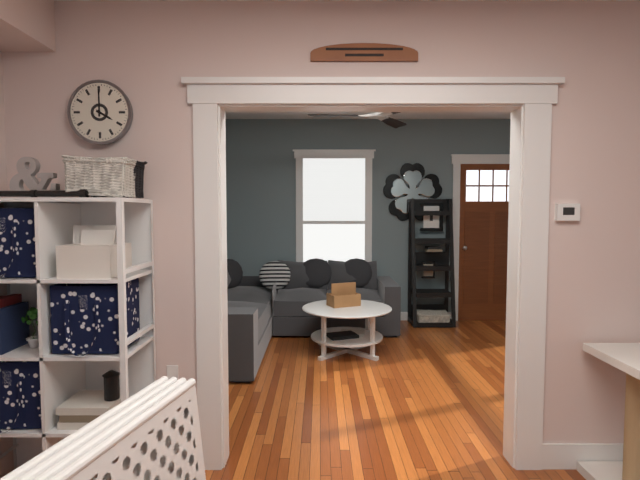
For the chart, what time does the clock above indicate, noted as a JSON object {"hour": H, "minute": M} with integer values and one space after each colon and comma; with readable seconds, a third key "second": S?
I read {"hour": 4, "minute": 0}
